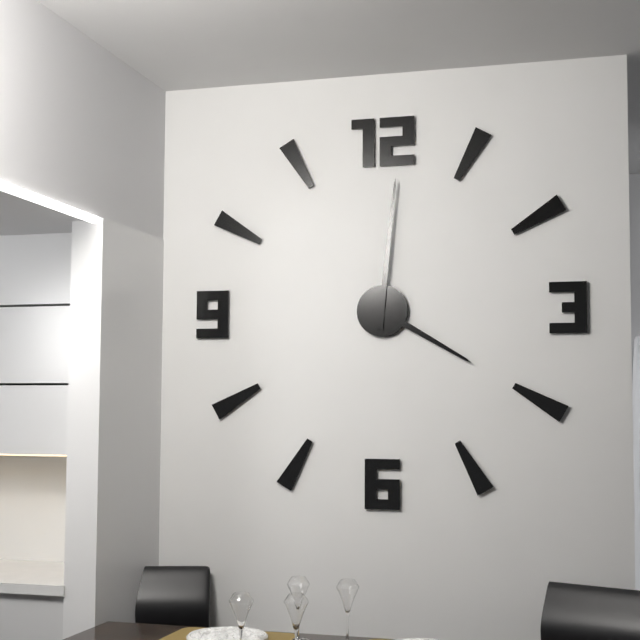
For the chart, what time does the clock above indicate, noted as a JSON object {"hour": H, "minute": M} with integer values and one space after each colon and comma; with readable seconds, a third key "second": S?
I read {"hour": 4, "minute": 1}
